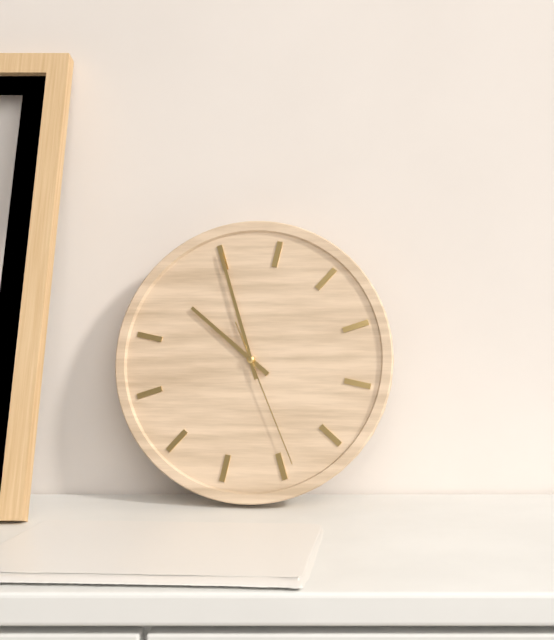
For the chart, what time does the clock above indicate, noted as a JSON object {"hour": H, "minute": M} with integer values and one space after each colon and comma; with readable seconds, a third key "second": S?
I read {"hour": 9, "minute": 55, "second": 24}
